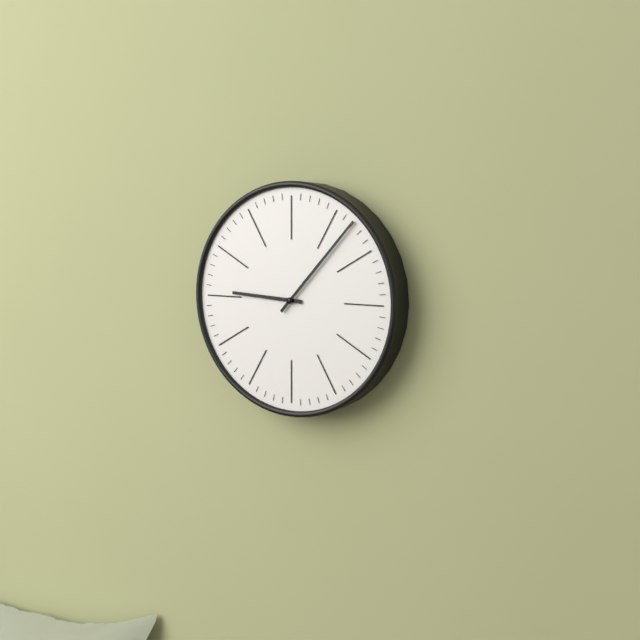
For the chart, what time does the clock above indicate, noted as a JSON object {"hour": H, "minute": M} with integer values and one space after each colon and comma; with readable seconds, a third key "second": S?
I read {"hour": 9, "minute": 7}
